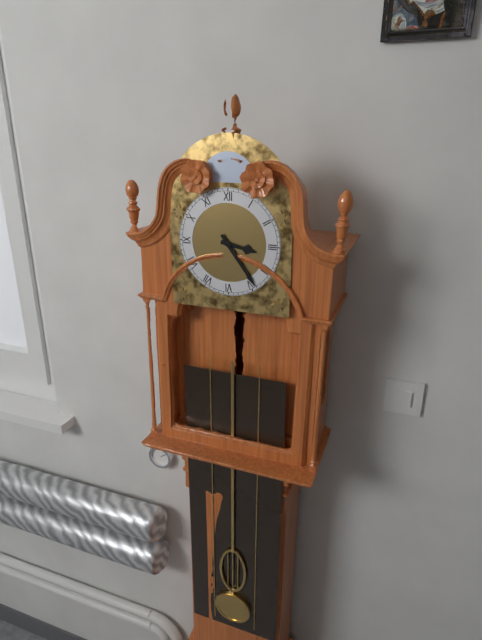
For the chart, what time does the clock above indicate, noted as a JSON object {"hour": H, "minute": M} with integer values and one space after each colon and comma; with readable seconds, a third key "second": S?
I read {"hour": 3, "minute": 24}
